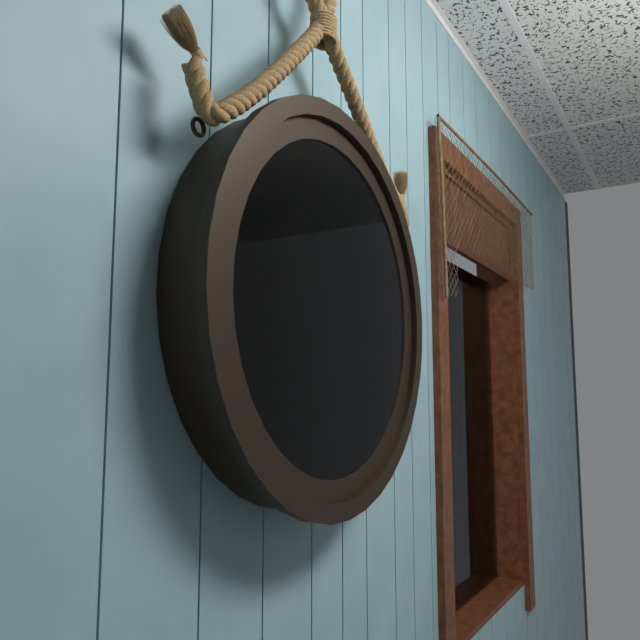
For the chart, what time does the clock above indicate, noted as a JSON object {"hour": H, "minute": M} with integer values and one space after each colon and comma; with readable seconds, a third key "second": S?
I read {"hour": 6, "minute": 59}
